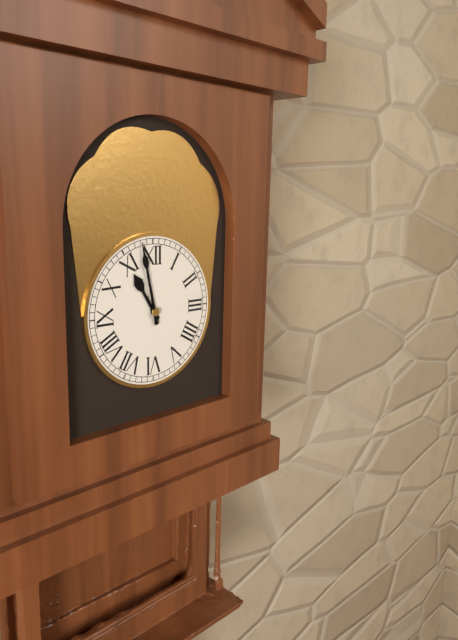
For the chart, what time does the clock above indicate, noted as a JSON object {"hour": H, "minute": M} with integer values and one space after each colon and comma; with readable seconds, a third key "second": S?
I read {"hour": 10, "minute": 58}
